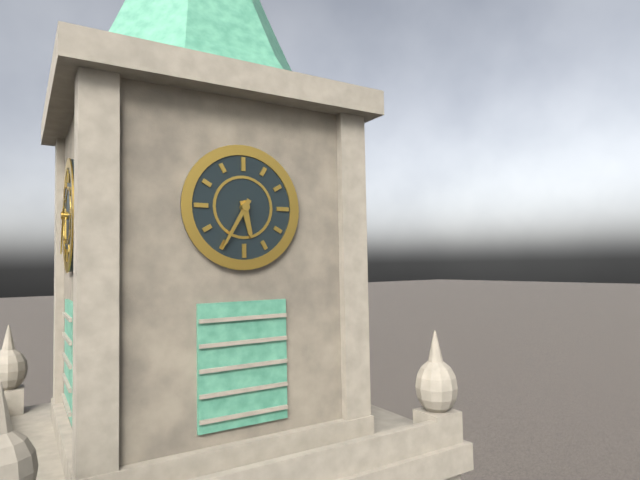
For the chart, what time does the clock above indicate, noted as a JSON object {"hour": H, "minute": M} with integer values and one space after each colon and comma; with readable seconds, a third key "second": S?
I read {"hour": 5, "minute": 35}
